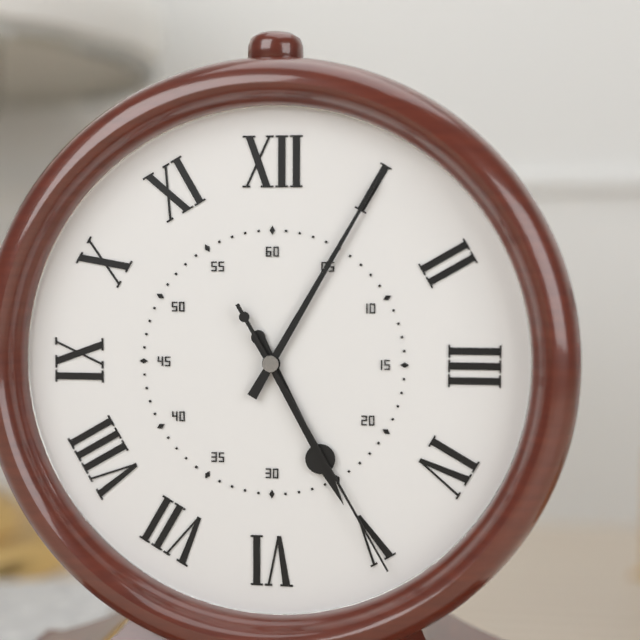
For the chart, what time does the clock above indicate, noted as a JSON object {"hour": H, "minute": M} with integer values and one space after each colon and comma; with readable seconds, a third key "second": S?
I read {"hour": 5, "minute": 5, "second": 25}
